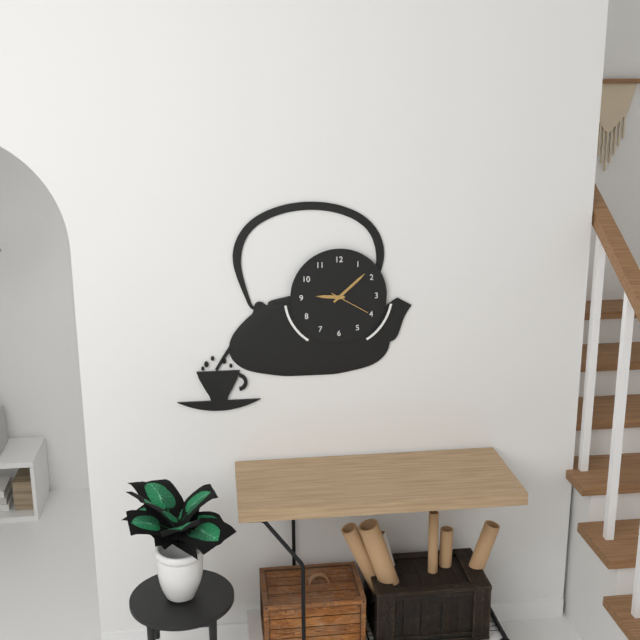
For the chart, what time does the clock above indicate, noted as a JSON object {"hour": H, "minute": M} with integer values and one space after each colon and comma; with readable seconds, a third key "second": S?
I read {"hour": 9, "minute": 8}
